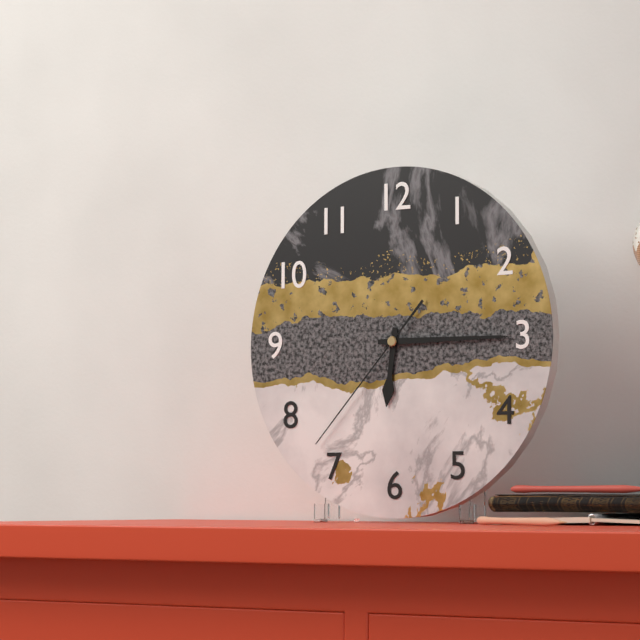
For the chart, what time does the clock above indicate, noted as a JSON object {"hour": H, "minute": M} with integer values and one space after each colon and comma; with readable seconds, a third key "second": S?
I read {"hour": 6, "minute": 15, "second": 37}
